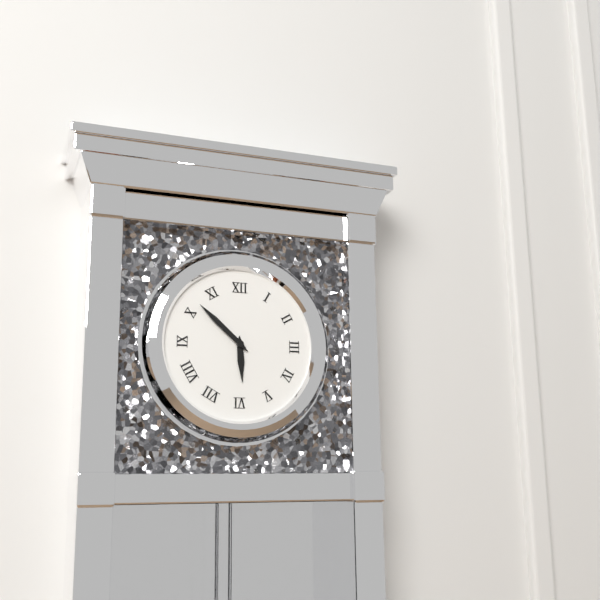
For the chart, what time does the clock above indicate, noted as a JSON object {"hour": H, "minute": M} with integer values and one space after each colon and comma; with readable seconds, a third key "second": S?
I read {"hour": 5, "minute": 52}
